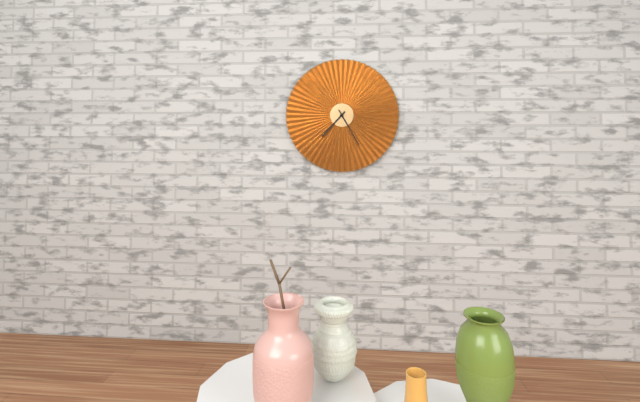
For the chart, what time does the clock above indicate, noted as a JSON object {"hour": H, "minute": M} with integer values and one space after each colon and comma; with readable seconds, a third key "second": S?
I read {"hour": 7, "minute": 25}
